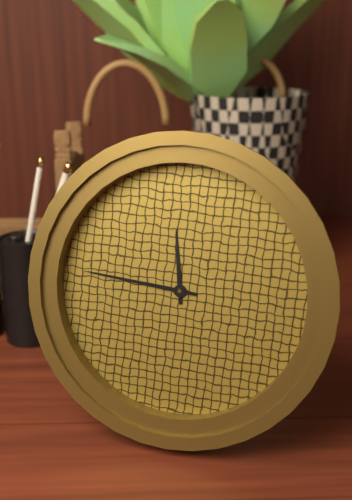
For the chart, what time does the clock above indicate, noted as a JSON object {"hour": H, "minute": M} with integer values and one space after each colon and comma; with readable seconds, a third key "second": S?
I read {"hour": 11, "minute": 46}
